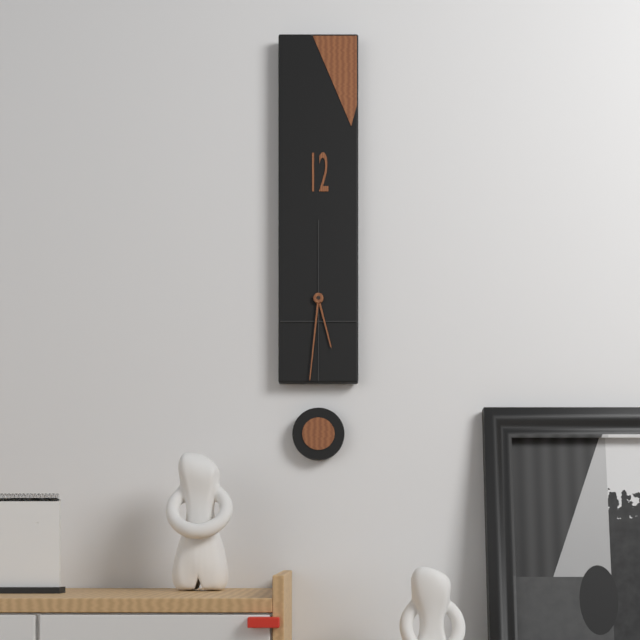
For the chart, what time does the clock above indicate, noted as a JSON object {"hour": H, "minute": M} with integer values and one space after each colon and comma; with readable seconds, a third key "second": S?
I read {"hour": 5, "minute": 31}
